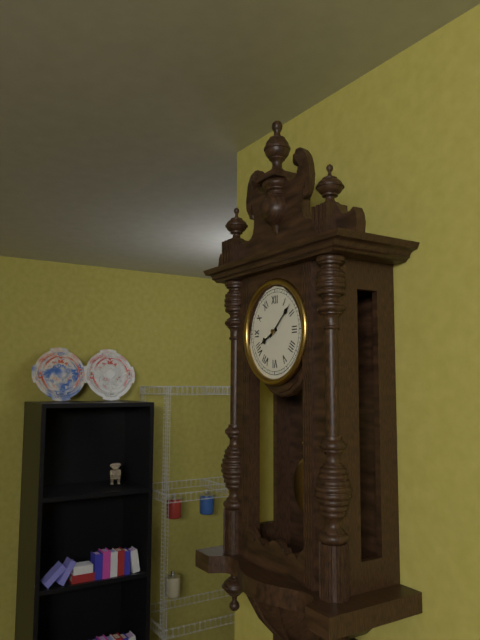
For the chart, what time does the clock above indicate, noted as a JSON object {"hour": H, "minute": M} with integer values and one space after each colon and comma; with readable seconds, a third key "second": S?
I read {"hour": 8, "minute": 8}
